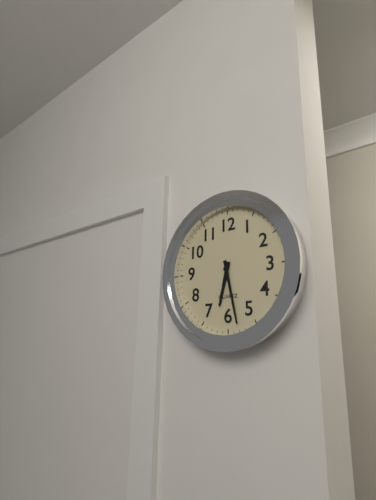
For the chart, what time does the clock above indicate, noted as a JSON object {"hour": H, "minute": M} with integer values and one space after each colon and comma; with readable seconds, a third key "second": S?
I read {"hour": 6, "minute": 28}
